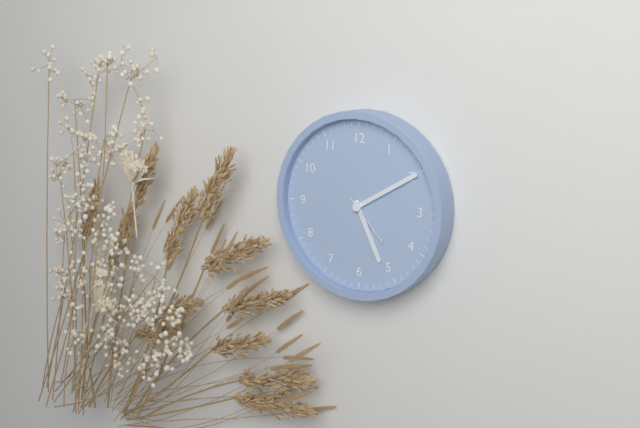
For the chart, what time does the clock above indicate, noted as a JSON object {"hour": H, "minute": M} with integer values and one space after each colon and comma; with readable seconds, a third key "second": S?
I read {"hour": 5, "minute": 10, "second": 23}
